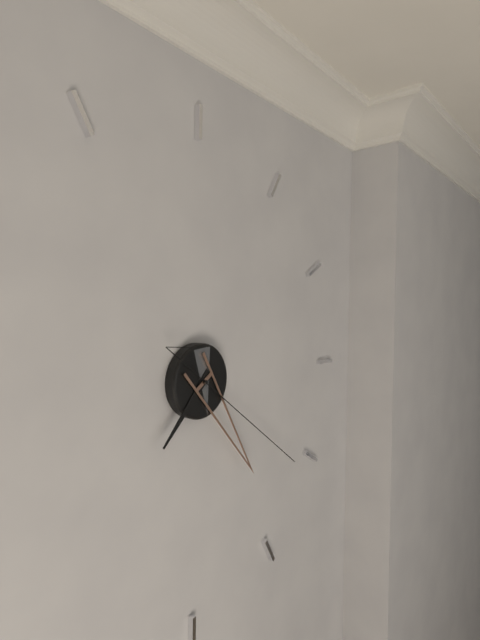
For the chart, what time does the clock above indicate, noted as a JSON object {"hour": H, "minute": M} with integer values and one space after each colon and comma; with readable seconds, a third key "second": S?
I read {"hour": 7, "minute": 24, "second": 21}
